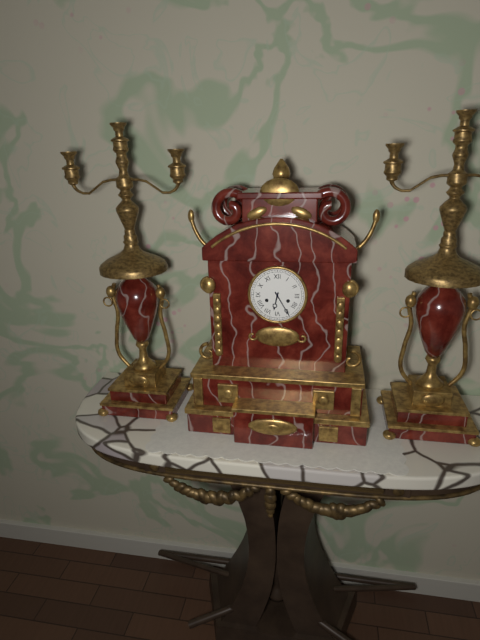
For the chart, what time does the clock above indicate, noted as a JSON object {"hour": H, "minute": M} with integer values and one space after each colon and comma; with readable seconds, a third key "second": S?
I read {"hour": 6, "minute": 25}
